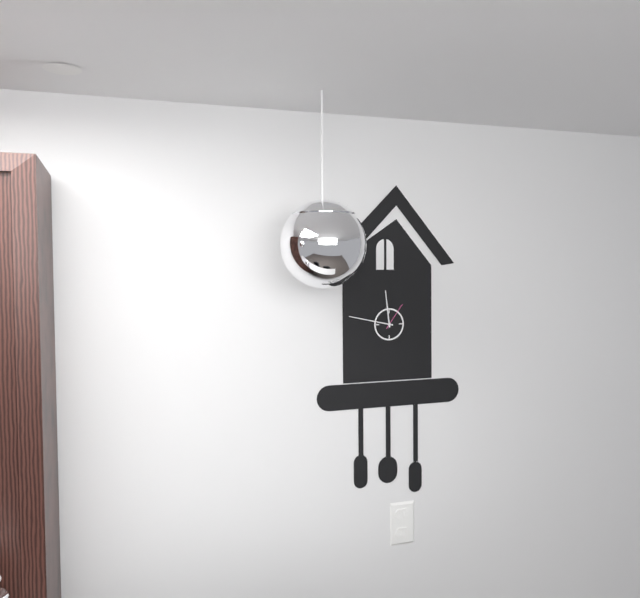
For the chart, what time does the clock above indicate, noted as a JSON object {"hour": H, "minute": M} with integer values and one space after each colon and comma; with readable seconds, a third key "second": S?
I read {"hour": 11, "minute": 47}
